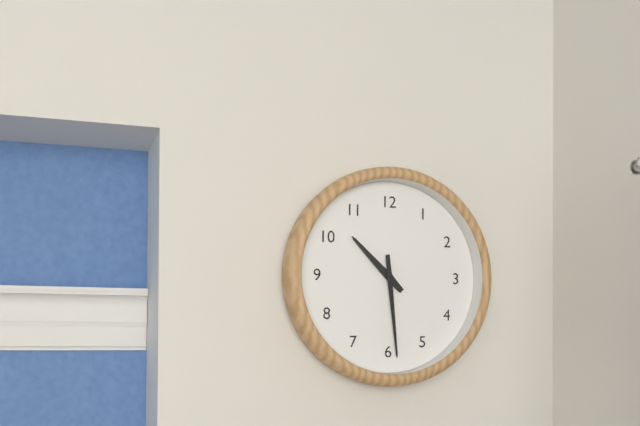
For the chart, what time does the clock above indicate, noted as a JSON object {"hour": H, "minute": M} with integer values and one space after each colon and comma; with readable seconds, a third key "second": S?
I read {"hour": 10, "minute": 29}
